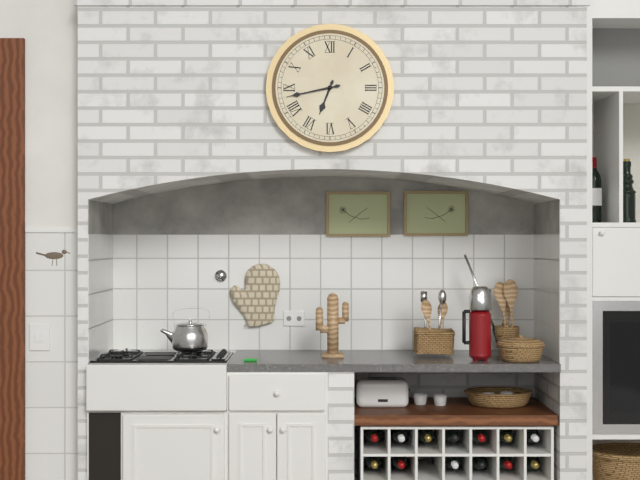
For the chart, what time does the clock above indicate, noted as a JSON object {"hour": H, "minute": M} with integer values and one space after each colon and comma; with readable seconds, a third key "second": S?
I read {"hour": 6, "minute": 43}
